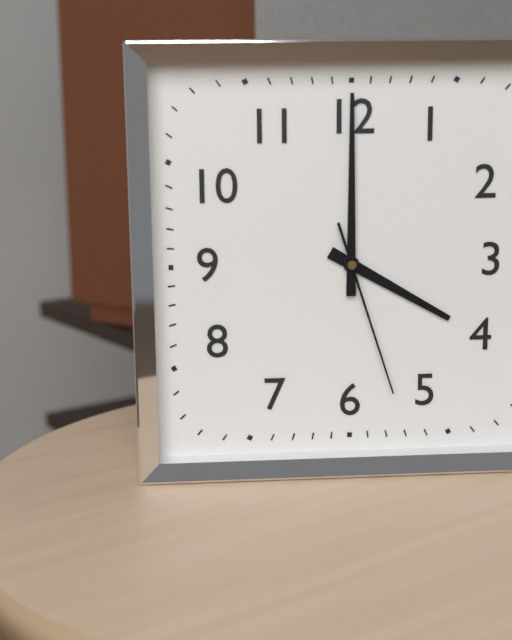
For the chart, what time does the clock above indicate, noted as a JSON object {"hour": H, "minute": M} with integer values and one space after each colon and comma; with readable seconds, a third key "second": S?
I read {"hour": 4, "minute": 0, "second": 27}
